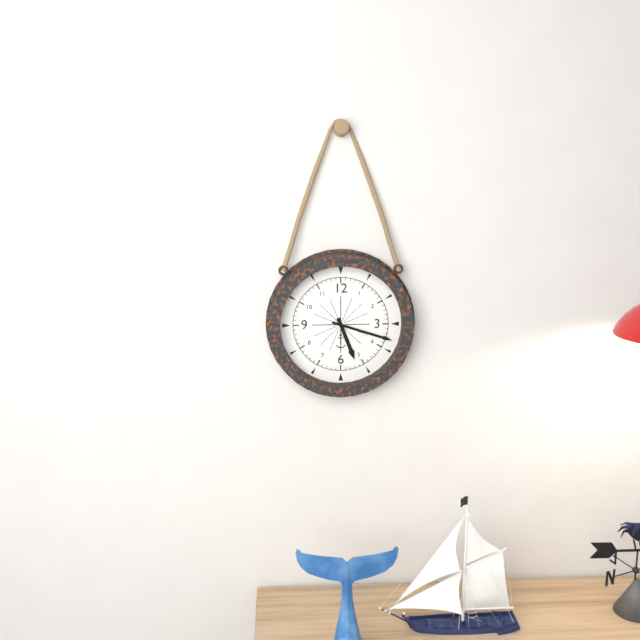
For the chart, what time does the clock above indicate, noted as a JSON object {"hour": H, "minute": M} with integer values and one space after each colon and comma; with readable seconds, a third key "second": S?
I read {"hour": 5, "minute": 18}
